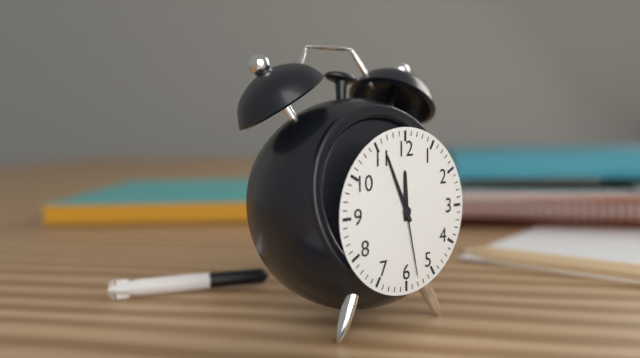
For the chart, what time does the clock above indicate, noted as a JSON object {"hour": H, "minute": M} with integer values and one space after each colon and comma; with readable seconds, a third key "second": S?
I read {"hour": 11, "minute": 56, "second": 28}
